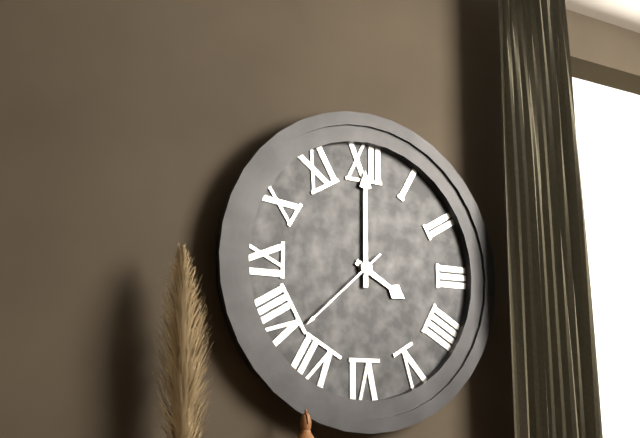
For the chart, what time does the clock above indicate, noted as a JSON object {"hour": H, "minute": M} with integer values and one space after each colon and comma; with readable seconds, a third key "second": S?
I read {"hour": 4, "minute": 0, "second": 38}
